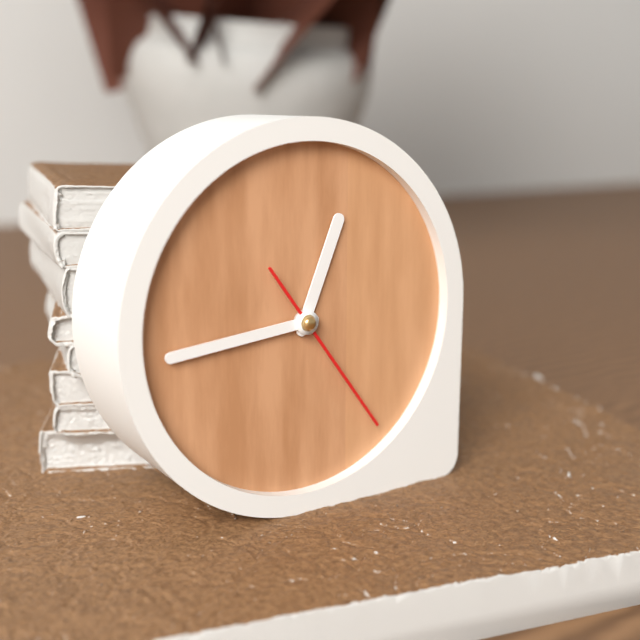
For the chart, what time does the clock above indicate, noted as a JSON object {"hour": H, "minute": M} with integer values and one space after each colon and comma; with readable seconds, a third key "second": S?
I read {"hour": 12, "minute": 44, "second": 24}
